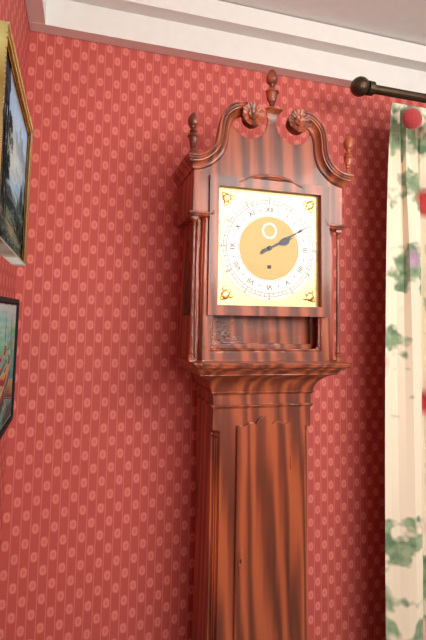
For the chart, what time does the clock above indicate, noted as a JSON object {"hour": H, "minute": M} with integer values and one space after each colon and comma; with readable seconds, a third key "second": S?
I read {"hour": 2, "minute": 10}
